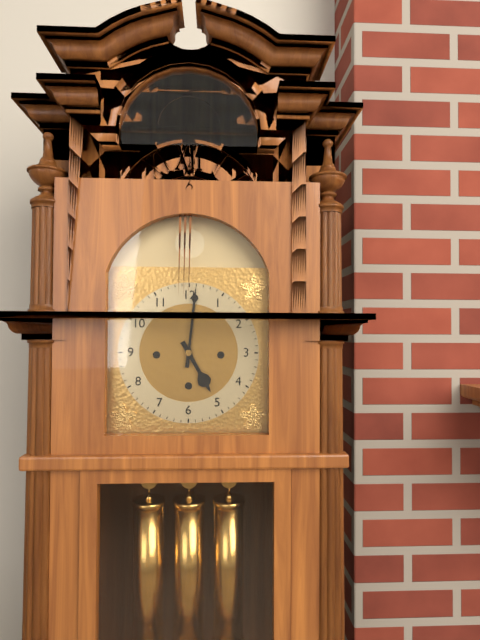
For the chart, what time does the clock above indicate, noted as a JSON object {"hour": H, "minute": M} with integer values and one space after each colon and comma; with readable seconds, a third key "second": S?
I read {"hour": 5, "minute": 1}
